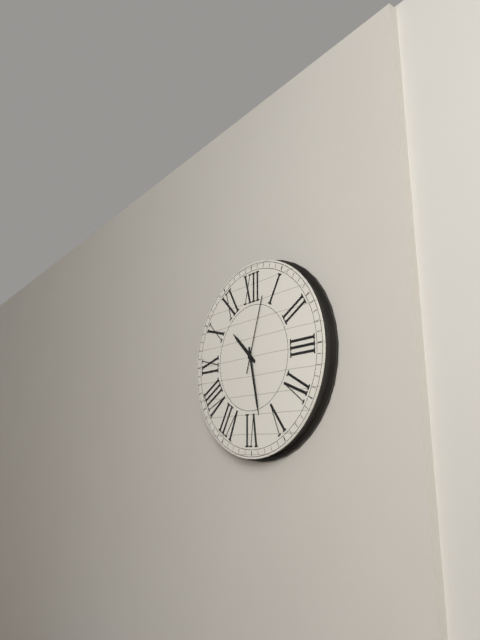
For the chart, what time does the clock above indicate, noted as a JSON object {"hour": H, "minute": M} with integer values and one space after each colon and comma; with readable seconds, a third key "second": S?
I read {"hour": 10, "minute": 28, "second": 3}
